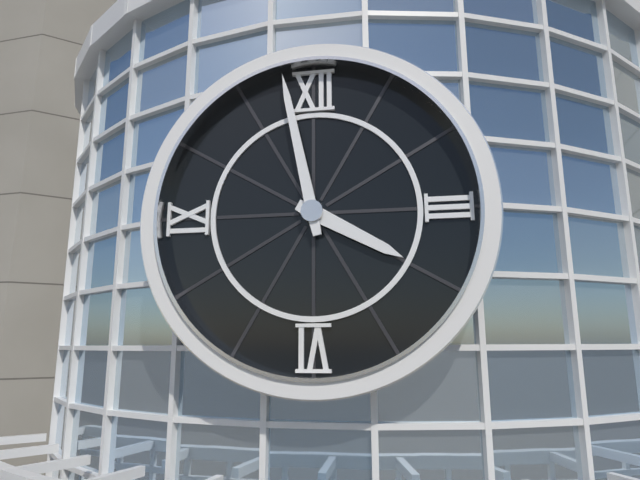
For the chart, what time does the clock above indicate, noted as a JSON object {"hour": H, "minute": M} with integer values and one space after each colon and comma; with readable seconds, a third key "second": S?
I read {"hour": 3, "minute": 58}
